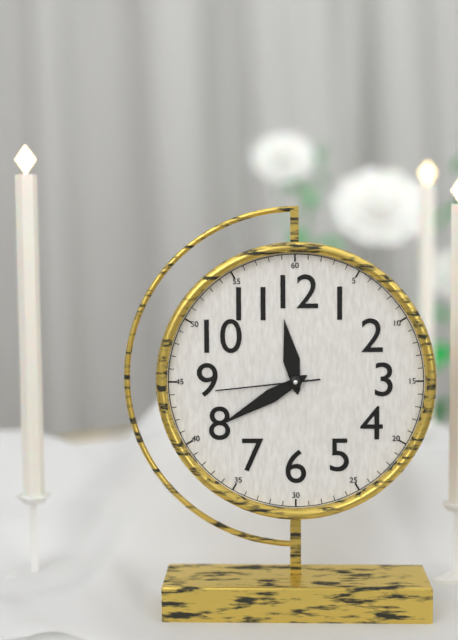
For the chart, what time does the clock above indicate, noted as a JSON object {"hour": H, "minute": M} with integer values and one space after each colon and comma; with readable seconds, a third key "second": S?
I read {"hour": 11, "minute": 40, "second": 44}
